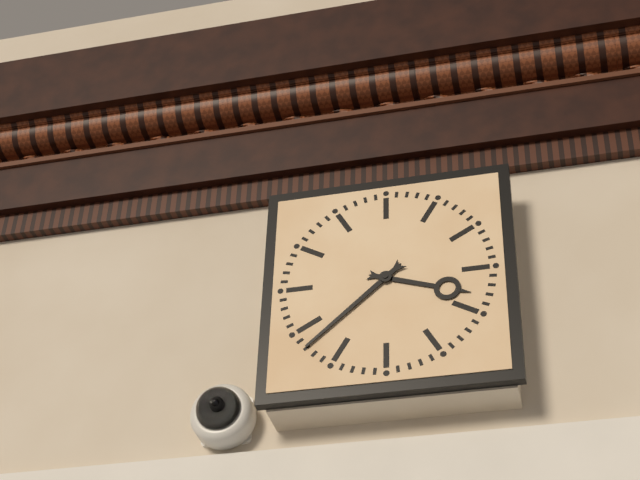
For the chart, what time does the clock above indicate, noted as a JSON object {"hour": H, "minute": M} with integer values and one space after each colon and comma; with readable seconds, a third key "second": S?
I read {"hour": 3, "minute": 38}
